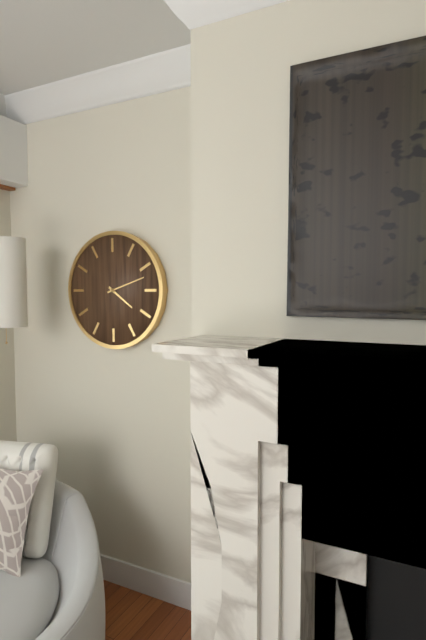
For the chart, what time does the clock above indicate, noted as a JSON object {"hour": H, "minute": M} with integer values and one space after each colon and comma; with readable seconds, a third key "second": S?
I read {"hour": 4, "minute": 12}
